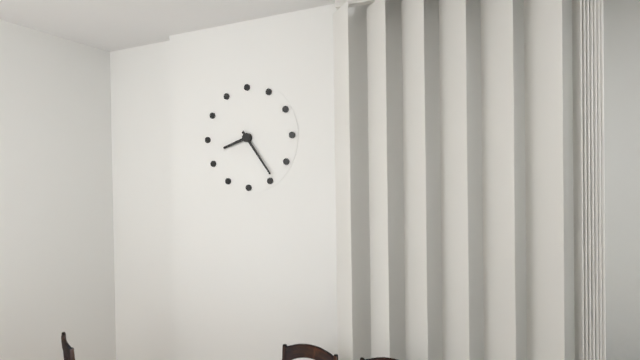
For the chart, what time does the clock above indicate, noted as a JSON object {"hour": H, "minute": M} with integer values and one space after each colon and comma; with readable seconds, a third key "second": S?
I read {"hour": 8, "minute": 24}
